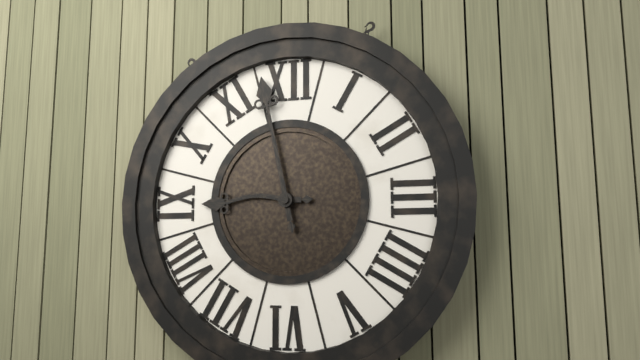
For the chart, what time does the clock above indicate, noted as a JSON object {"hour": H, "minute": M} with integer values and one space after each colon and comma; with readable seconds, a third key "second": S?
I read {"hour": 8, "minute": 58}
